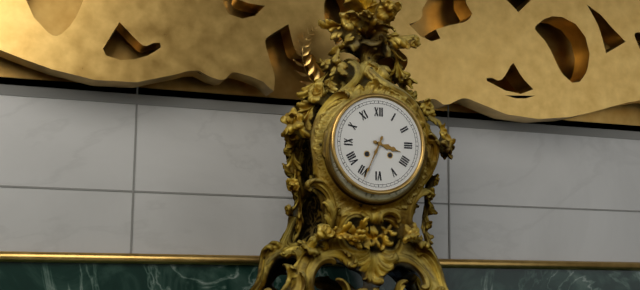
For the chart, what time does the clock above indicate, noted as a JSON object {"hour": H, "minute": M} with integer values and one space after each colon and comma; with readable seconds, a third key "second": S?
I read {"hour": 3, "minute": 34}
